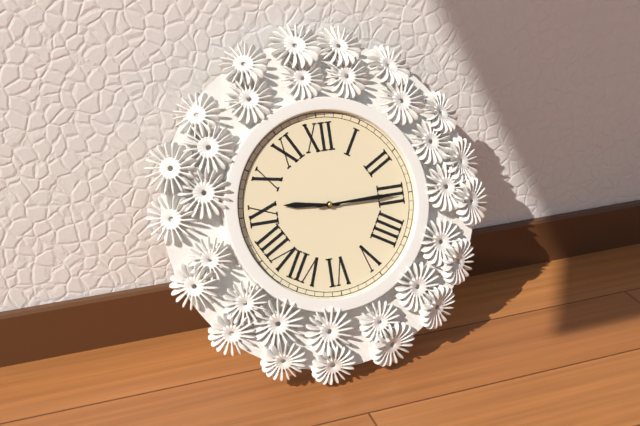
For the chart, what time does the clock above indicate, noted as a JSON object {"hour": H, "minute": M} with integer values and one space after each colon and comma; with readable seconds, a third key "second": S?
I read {"hour": 9, "minute": 15}
